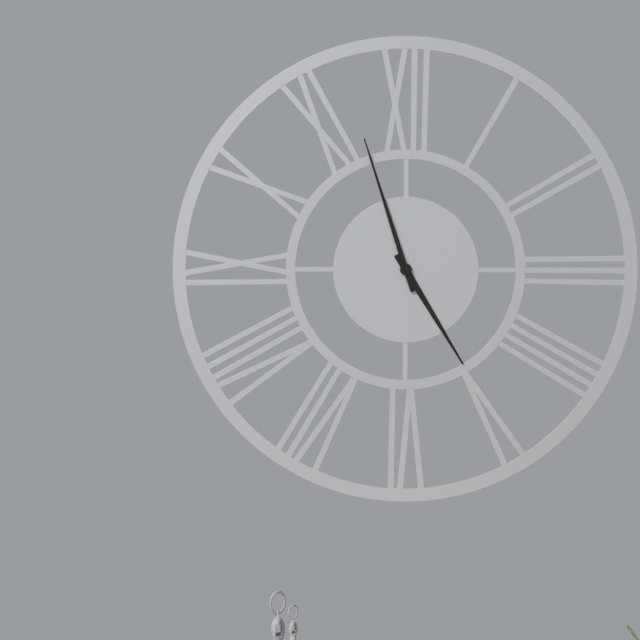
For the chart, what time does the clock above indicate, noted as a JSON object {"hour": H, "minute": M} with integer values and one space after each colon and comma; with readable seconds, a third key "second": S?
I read {"hour": 4, "minute": 57}
